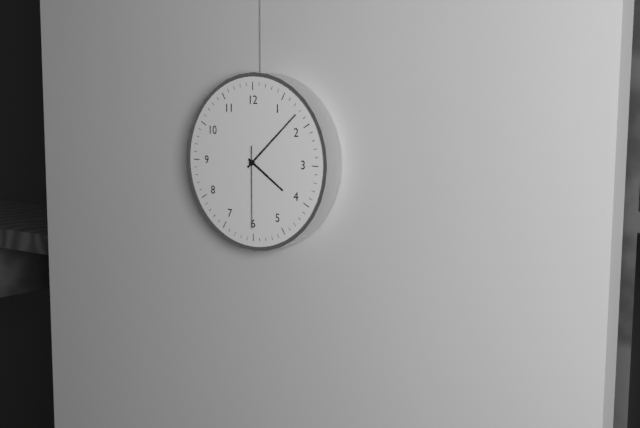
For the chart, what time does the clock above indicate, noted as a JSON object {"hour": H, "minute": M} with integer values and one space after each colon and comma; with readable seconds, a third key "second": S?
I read {"hour": 4, "minute": 8, "second": 30}
